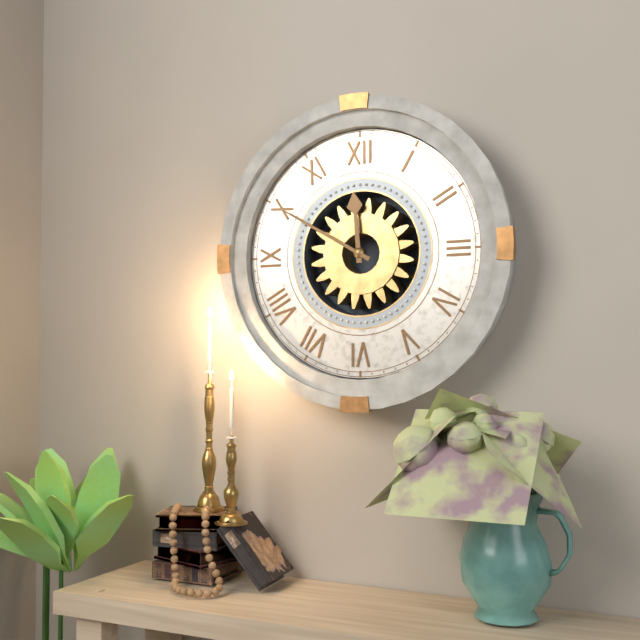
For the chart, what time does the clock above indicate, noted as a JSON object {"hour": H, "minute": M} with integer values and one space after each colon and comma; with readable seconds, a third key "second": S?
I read {"hour": 11, "minute": 50}
